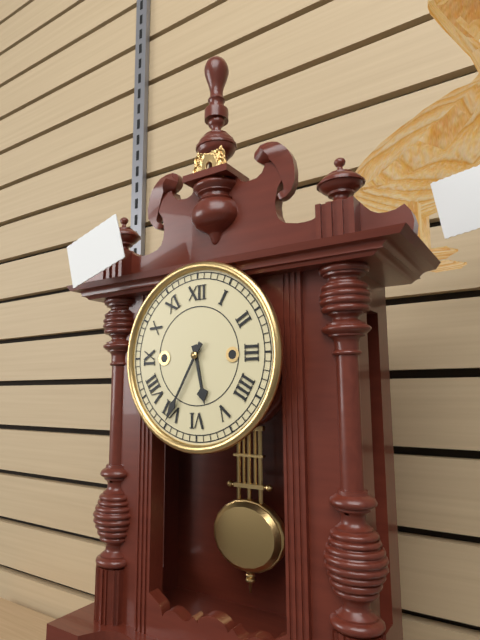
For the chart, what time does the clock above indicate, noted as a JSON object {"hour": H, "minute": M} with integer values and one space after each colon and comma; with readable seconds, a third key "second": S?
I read {"hour": 5, "minute": 35}
